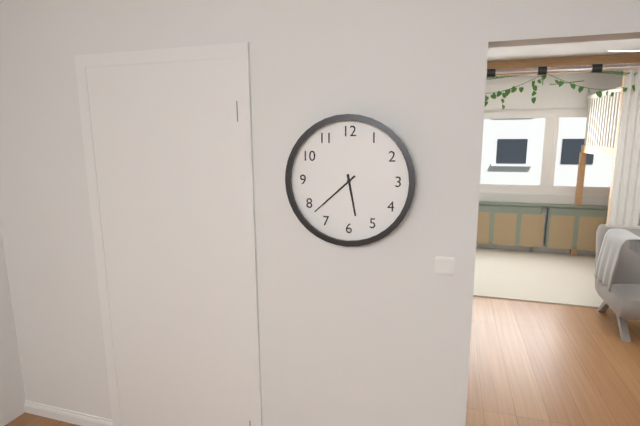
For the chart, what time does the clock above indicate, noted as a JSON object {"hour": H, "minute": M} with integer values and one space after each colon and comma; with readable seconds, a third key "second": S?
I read {"hour": 5, "minute": 38}
